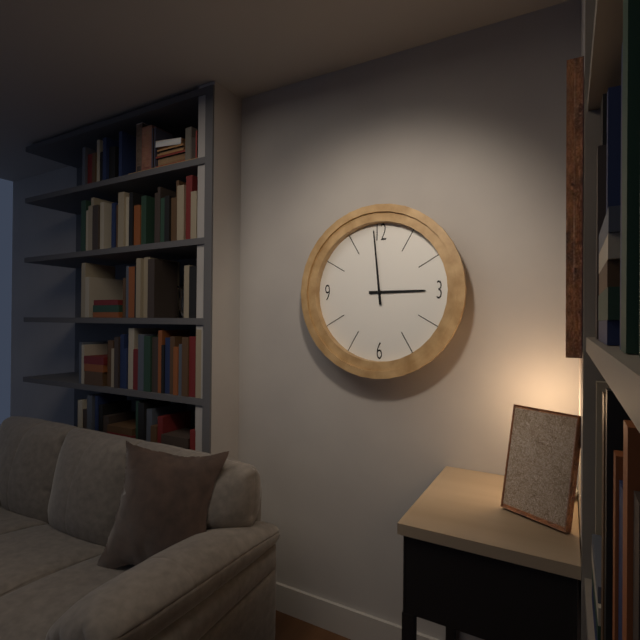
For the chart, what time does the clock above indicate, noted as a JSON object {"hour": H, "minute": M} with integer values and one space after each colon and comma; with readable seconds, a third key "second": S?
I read {"hour": 2, "minute": 59}
